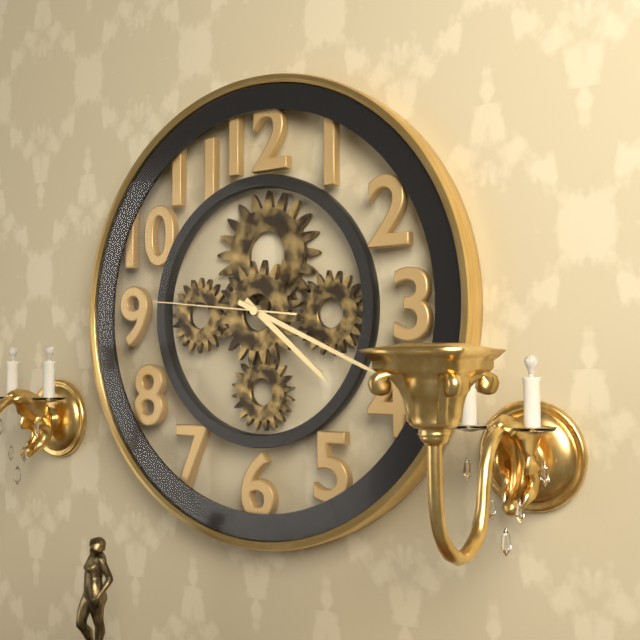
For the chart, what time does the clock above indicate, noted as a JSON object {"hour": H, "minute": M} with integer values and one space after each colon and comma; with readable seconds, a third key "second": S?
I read {"hour": 4, "minute": 19, "second": 46}
